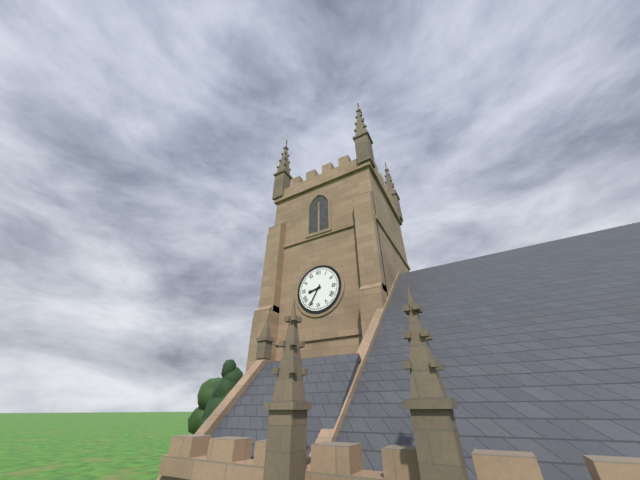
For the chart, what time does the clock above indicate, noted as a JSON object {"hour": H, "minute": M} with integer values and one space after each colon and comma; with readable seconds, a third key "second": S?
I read {"hour": 8, "minute": 35}
